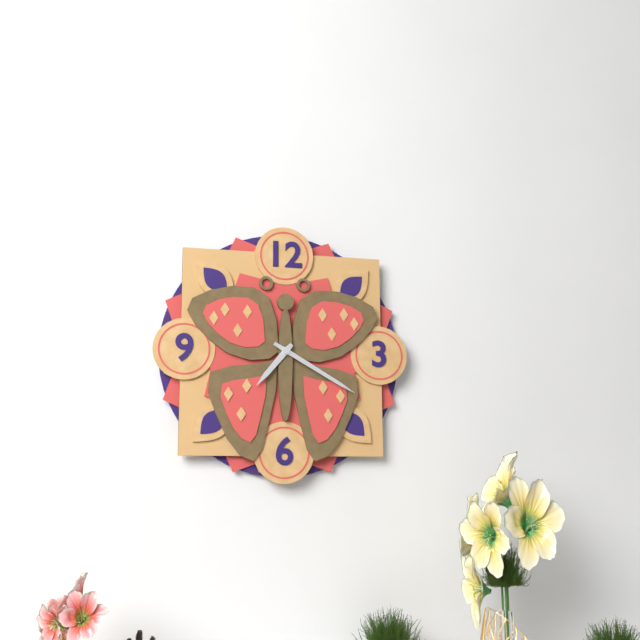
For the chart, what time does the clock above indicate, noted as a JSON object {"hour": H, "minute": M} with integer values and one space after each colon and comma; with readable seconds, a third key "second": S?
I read {"hour": 7, "minute": 20}
